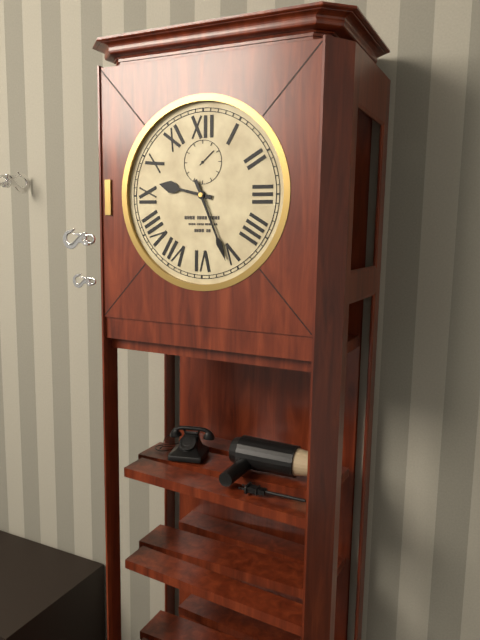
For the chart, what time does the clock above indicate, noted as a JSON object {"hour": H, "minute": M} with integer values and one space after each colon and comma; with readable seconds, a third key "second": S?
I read {"hour": 9, "minute": 26}
